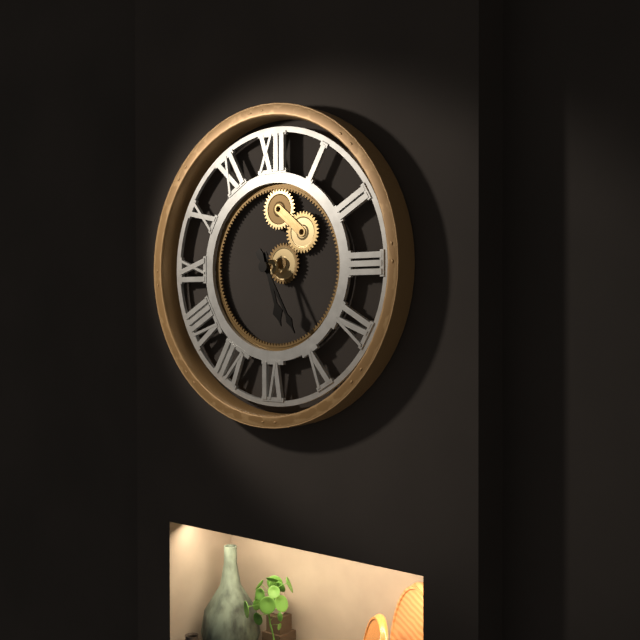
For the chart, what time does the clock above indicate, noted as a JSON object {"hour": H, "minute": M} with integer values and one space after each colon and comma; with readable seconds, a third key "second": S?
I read {"hour": 5, "minute": 25}
